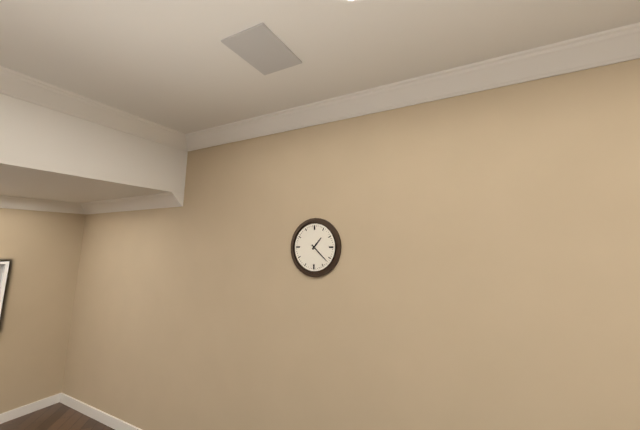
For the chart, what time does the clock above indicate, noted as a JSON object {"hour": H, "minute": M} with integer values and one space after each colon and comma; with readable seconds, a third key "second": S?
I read {"hour": 1, "minute": 22}
